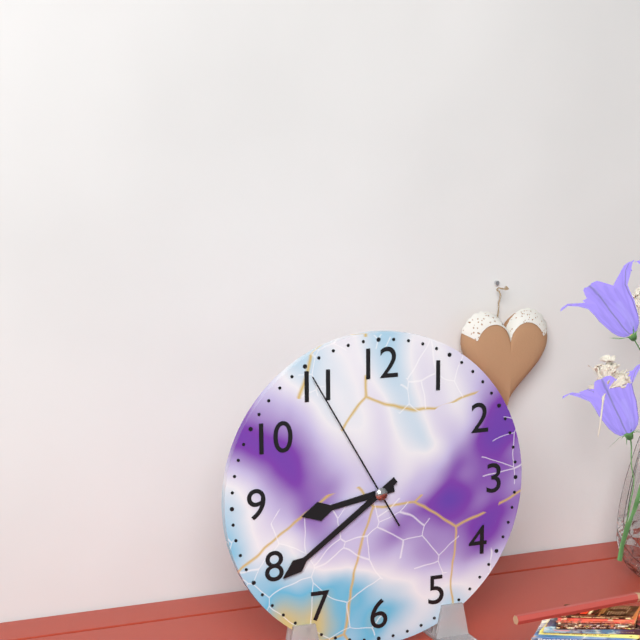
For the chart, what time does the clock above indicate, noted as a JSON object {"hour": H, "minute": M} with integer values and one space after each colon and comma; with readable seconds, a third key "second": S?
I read {"hour": 8, "minute": 39, "second": 55}
